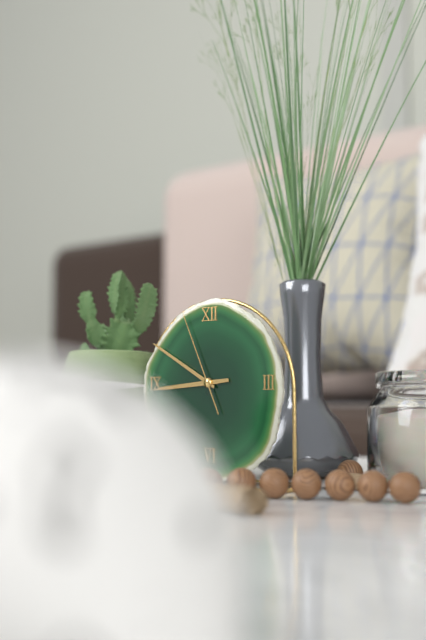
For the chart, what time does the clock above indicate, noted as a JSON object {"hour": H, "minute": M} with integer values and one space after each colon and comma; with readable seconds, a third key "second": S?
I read {"hour": 8, "minute": 50, "second": 56}
